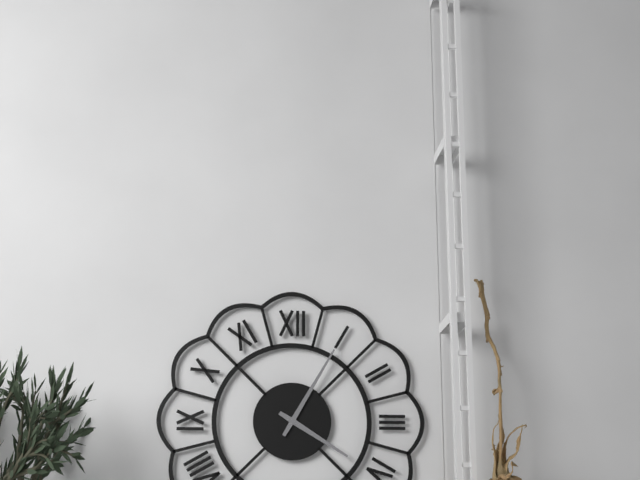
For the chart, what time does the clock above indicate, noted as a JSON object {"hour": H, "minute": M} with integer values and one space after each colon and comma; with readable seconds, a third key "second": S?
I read {"hour": 4, "minute": 5}
